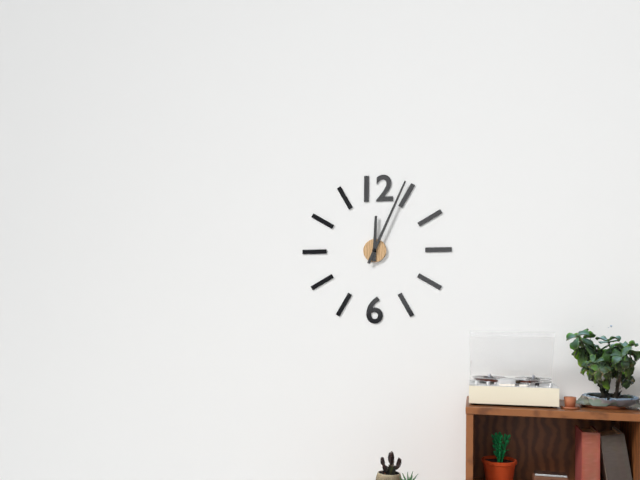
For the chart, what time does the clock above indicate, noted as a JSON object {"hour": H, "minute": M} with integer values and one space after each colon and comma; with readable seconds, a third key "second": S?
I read {"hour": 12, "minute": 4}
